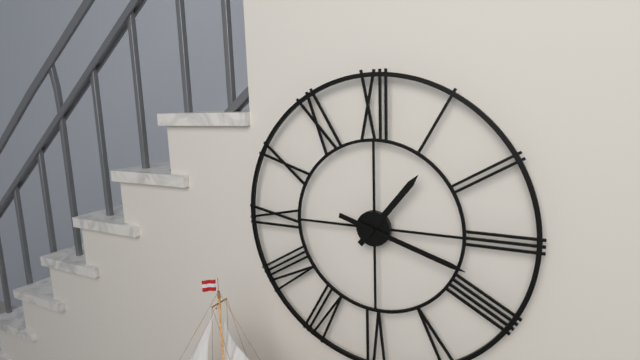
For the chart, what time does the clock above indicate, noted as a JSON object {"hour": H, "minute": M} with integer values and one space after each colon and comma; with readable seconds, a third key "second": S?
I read {"hour": 1, "minute": 18}
